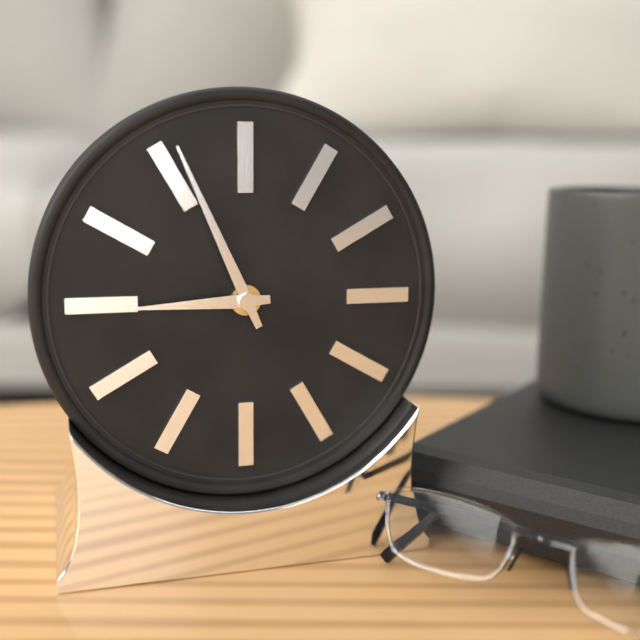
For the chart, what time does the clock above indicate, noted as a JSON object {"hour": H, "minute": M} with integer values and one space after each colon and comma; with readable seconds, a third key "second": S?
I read {"hour": 8, "minute": 56}
